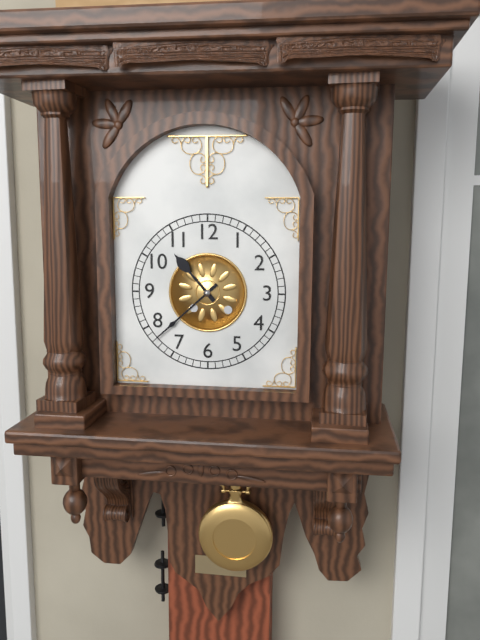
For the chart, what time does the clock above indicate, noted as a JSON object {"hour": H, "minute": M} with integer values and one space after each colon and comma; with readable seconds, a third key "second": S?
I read {"hour": 10, "minute": 38}
